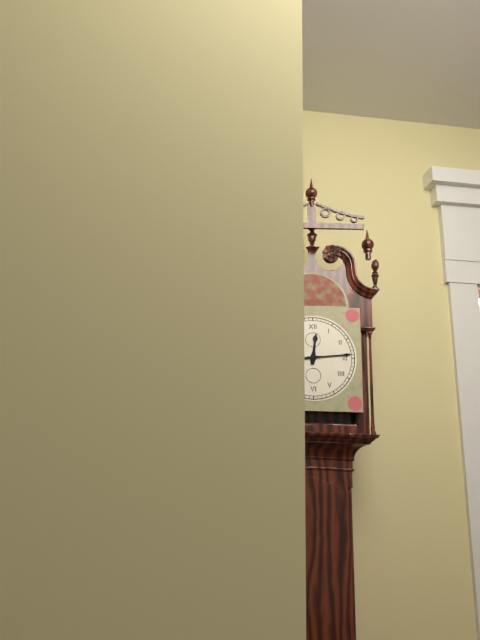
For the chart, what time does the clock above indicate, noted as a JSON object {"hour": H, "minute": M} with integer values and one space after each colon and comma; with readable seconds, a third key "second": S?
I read {"hour": 12, "minute": 14}
